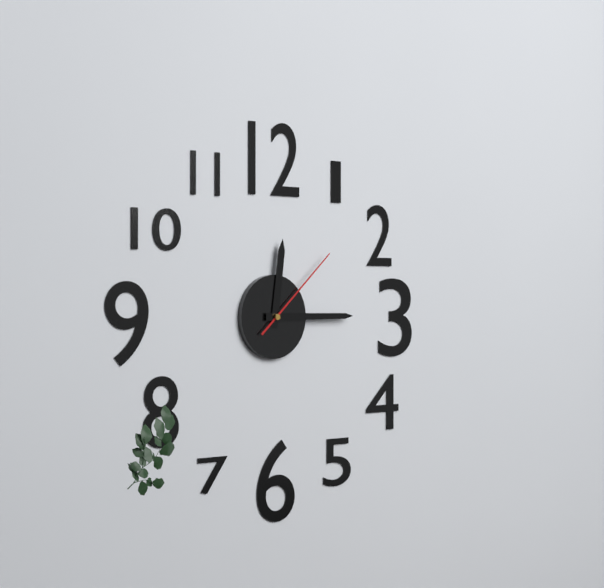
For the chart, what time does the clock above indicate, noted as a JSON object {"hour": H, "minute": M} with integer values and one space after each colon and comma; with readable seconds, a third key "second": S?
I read {"hour": 12, "minute": 15, "second": 8}
